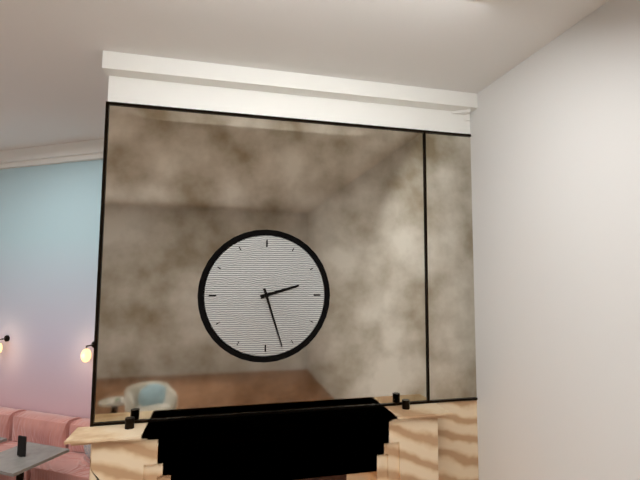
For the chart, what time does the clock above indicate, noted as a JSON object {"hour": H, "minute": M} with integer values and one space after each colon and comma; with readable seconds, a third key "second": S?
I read {"hour": 2, "minute": 27}
